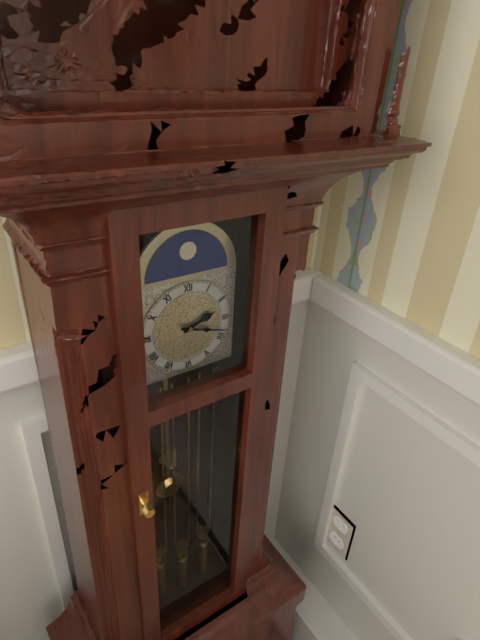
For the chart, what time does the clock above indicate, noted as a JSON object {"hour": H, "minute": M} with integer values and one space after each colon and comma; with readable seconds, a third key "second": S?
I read {"hour": 2, "minute": 18}
